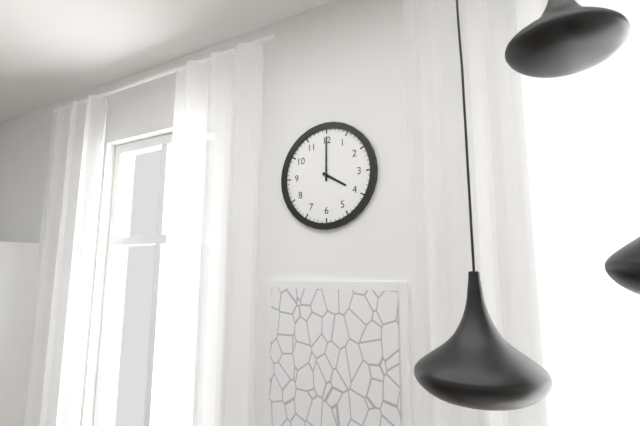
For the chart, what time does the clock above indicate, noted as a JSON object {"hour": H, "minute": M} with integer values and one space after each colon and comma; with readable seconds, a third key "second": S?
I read {"hour": 4, "minute": 0}
